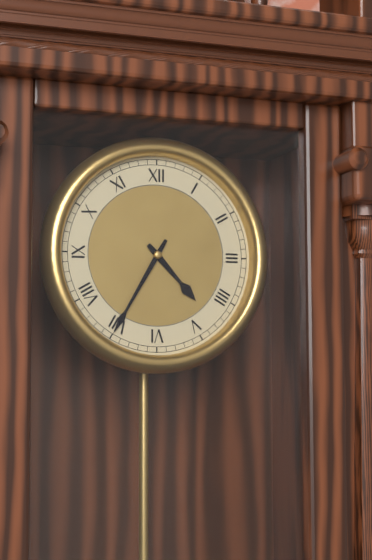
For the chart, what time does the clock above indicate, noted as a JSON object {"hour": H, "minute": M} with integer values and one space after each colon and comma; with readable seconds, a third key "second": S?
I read {"hour": 4, "minute": 35}
